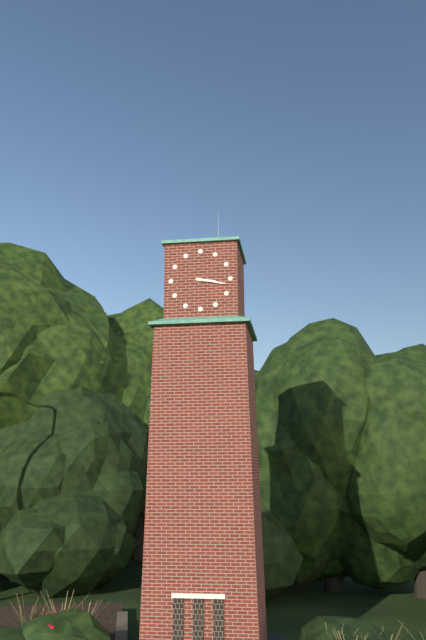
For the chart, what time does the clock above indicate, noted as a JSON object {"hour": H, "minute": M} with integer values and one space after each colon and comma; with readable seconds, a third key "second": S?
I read {"hour": 3, "minute": 17}
